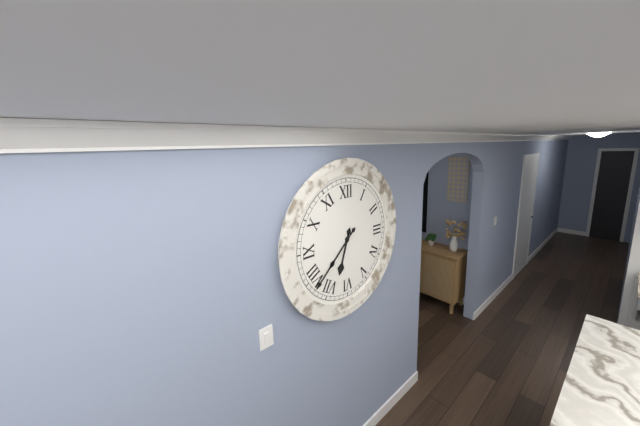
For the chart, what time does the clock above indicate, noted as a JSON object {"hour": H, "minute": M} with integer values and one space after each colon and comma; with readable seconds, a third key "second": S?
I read {"hour": 6, "minute": 38}
